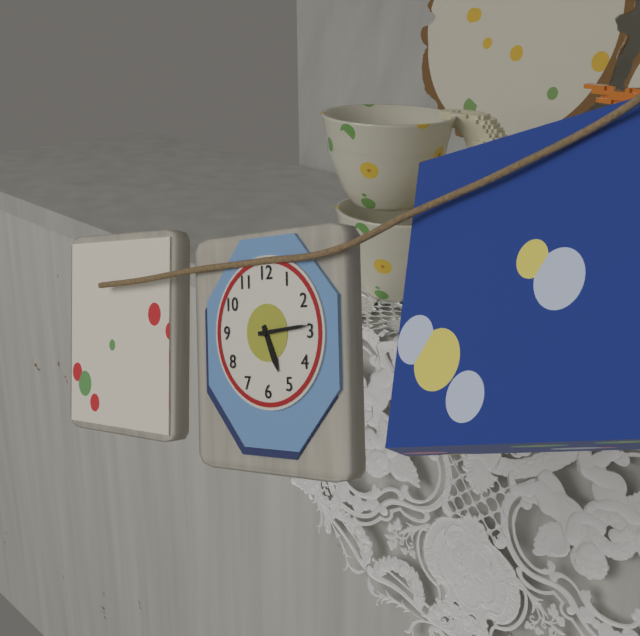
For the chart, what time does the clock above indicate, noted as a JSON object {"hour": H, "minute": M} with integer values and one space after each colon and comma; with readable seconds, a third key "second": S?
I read {"hour": 5, "minute": 14}
